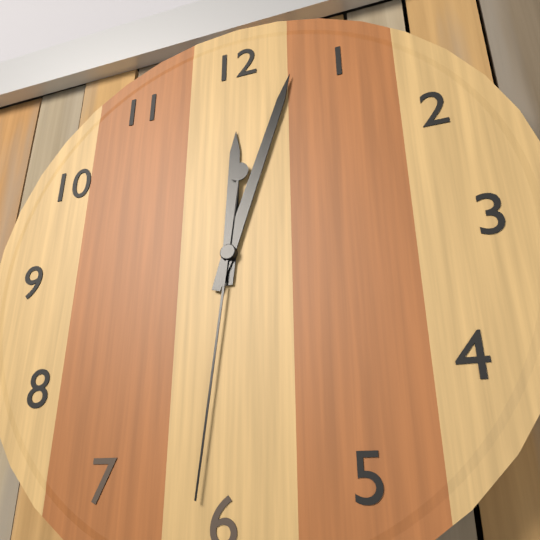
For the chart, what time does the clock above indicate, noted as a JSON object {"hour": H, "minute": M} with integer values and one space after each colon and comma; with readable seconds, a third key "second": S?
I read {"hour": 12, "minute": 3, "second": 31}
